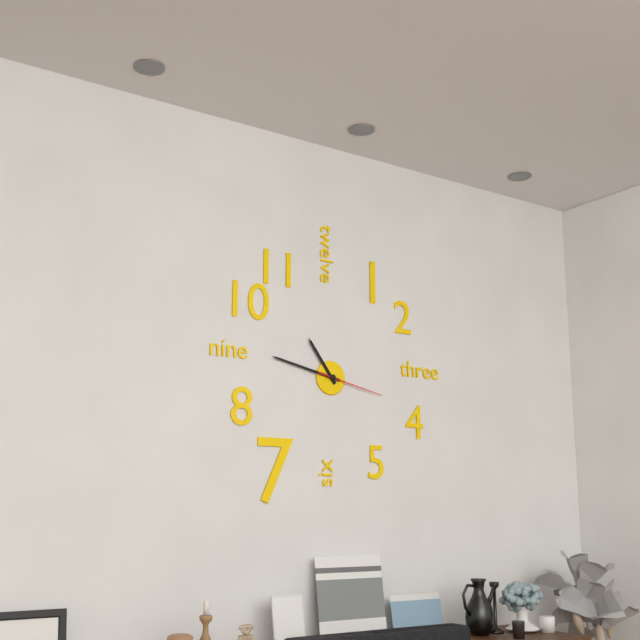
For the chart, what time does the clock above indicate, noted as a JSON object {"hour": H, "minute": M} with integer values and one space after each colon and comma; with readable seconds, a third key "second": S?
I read {"hour": 10, "minute": 47, "second": 17}
